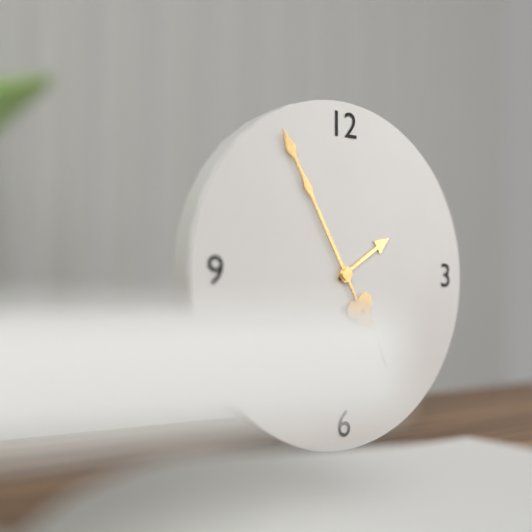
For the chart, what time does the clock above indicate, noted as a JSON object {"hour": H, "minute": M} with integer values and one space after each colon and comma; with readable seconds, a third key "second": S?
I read {"hour": 1, "minute": 55}
